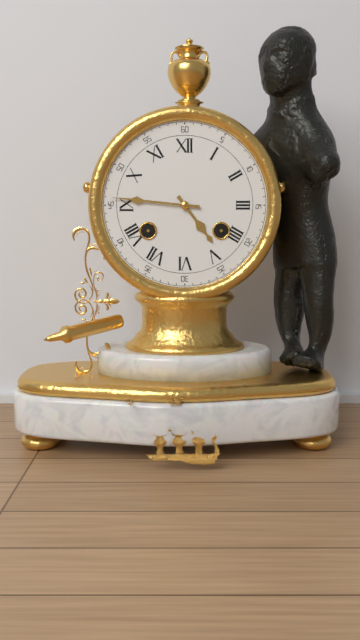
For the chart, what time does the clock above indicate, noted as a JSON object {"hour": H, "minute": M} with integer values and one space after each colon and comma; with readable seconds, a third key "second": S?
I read {"hour": 4, "minute": 46}
